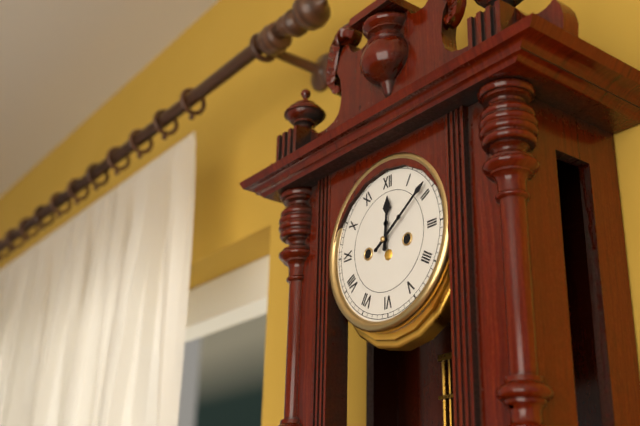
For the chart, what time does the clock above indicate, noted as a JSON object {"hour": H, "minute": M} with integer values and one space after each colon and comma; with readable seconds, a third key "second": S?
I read {"hour": 12, "minute": 9}
